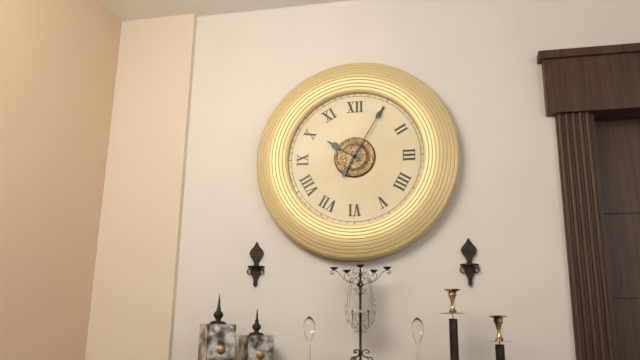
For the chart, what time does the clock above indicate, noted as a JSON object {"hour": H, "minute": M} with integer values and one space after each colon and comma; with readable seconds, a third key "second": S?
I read {"hour": 10, "minute": 5}
